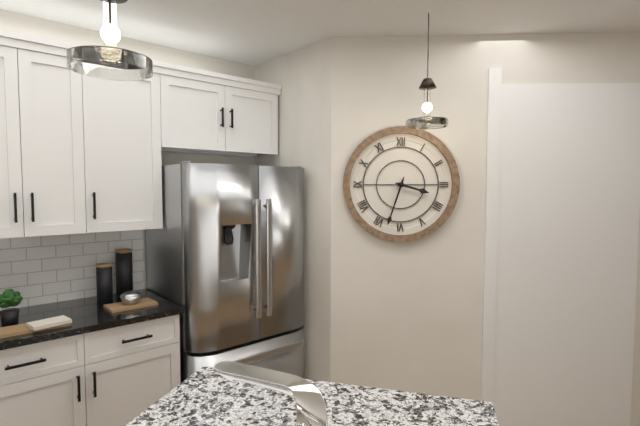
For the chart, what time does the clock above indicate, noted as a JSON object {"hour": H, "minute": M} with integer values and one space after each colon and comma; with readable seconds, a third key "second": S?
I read {"hour": 3, "minute": 33}
